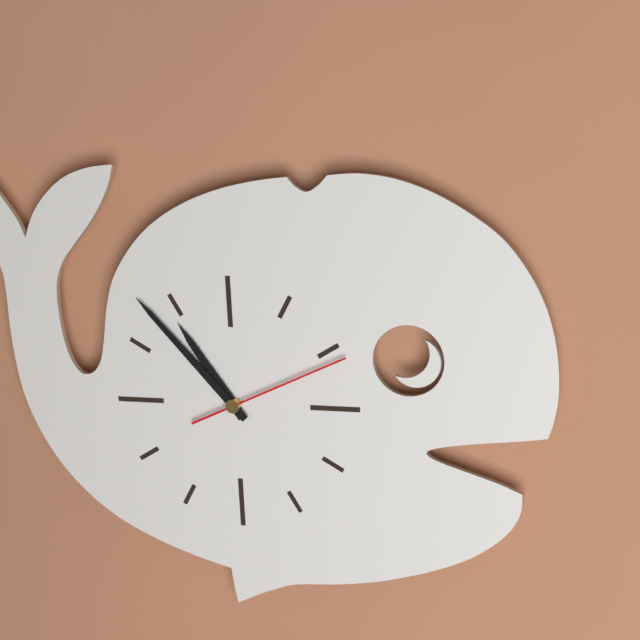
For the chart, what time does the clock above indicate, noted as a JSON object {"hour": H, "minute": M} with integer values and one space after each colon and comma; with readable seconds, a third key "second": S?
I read {"hour": 10, "minute": 53, "second": 11}
